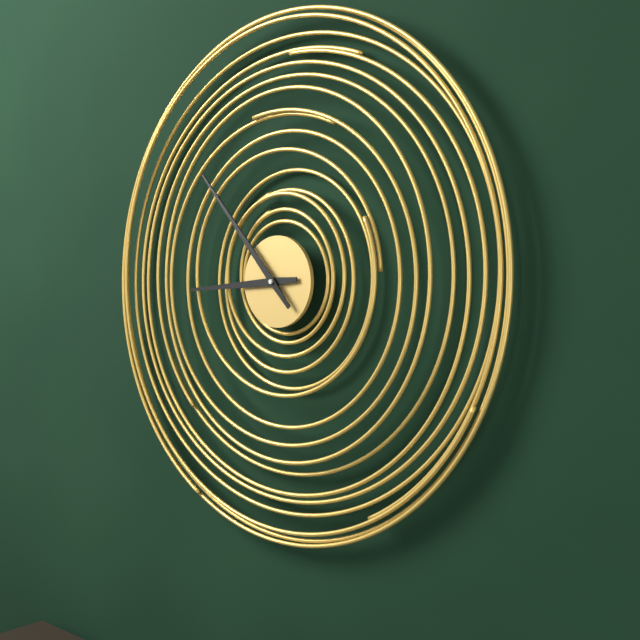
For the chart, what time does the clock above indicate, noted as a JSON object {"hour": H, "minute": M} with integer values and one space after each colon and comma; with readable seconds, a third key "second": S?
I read {"hour": 8, "minute": 53}
